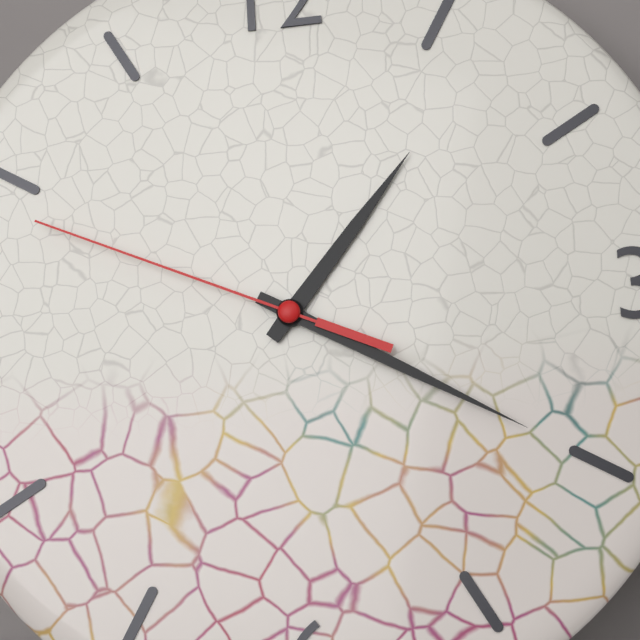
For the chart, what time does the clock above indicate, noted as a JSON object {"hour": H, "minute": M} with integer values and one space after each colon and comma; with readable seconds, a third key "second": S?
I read {"hour": 1, "minute": 20, "second": 49}
